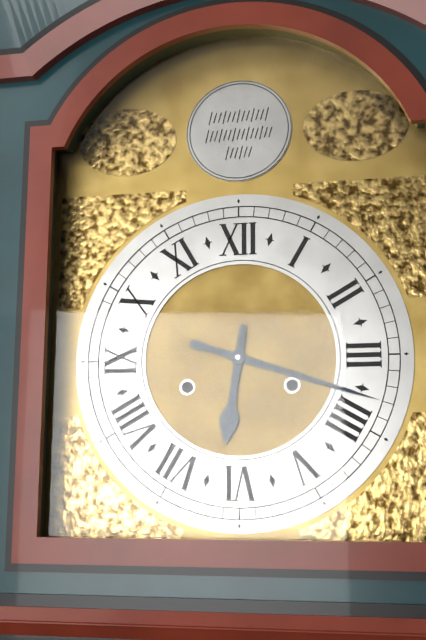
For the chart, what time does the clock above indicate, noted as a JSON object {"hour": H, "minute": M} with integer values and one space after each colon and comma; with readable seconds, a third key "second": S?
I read {"hour": 6, "minute": 18}
